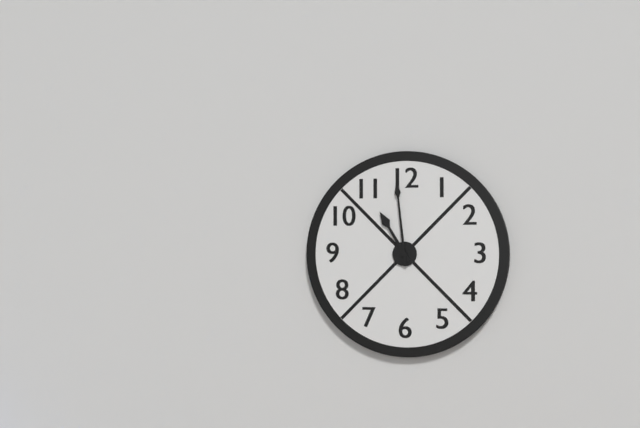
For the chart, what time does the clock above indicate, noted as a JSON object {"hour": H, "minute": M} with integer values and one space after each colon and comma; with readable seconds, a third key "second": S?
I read {"hour": 10, "minute": 59}
